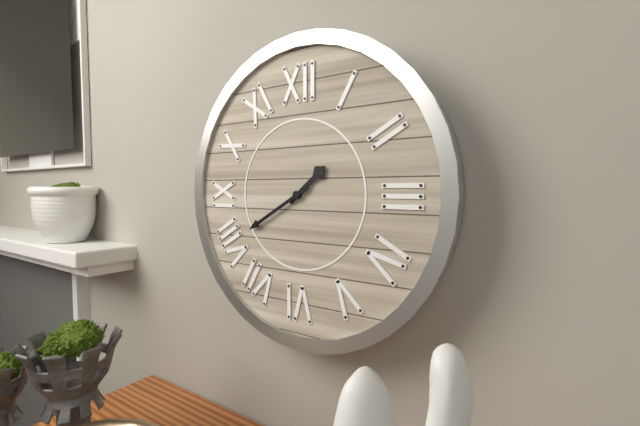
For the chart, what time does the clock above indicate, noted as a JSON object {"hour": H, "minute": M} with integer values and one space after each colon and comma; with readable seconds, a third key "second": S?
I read {"hour": 1, "minute": 40}
